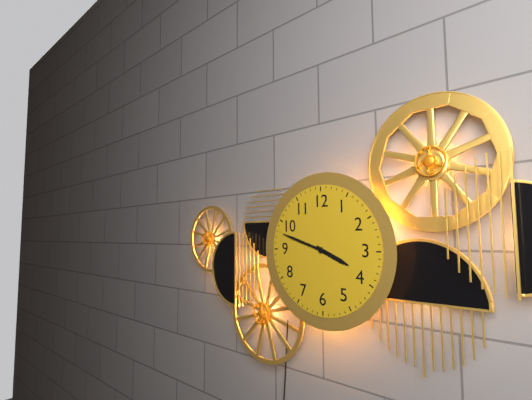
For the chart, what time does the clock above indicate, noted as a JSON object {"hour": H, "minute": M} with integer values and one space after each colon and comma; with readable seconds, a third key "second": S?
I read {"hour": 3, "minute": 48}
